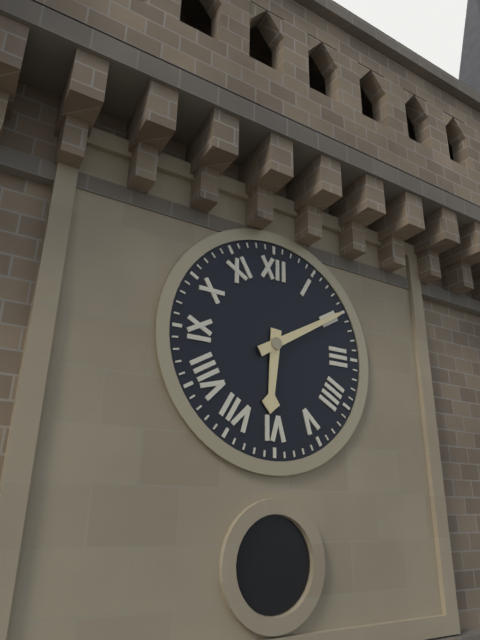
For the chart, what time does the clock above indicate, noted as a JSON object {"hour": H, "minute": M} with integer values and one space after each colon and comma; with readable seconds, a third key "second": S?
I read {"hour": 6, "minute": 10}
